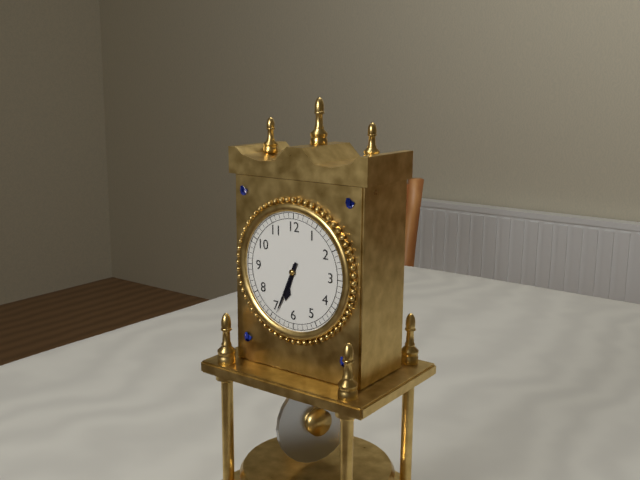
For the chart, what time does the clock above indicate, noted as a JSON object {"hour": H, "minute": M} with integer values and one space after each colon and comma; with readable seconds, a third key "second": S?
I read {"hour": 6, "minute": 34}
